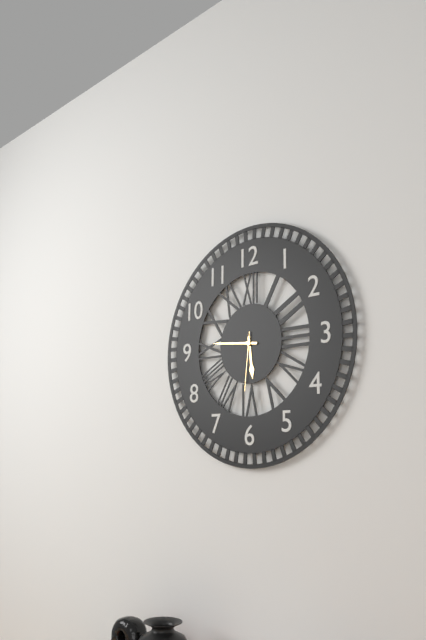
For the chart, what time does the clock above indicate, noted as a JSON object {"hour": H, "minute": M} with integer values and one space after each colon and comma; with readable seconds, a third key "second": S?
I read {"hour": 5, "minute": 46, "second": 31}
